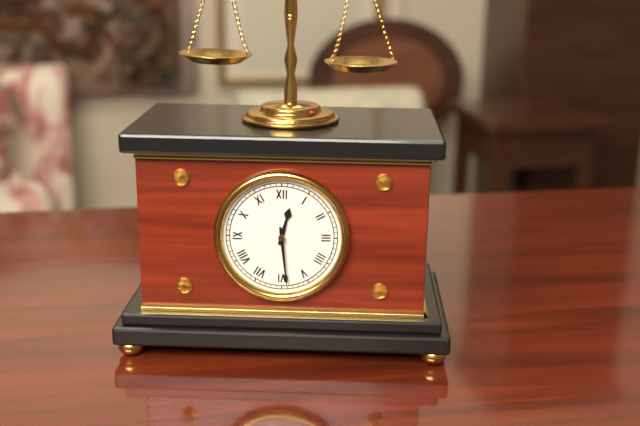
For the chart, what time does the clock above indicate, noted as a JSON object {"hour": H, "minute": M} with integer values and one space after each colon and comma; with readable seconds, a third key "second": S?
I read {"hour": 12, "minute": 29}
